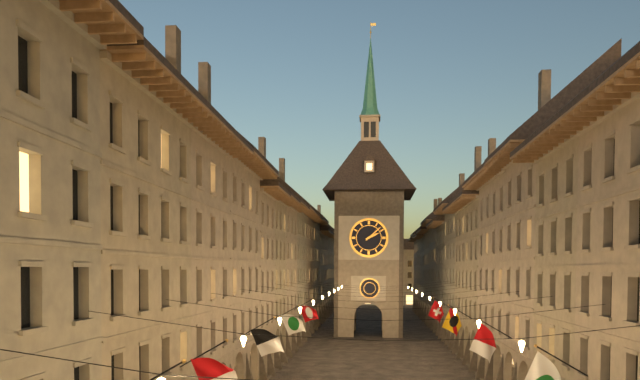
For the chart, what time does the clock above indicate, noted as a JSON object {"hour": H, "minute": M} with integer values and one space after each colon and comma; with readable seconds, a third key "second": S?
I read {"hour": 2, "minute": 8}
